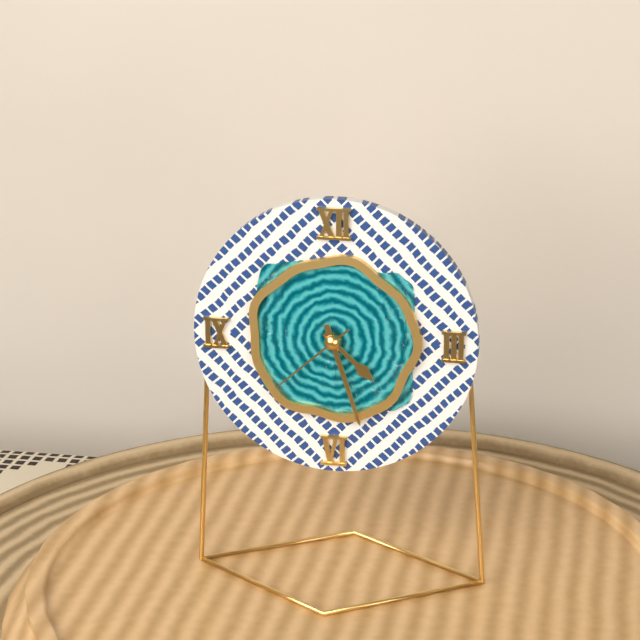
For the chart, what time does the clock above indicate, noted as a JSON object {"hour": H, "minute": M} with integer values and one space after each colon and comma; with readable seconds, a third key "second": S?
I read {"hour": 4, "minute": 27, "second": 38}
